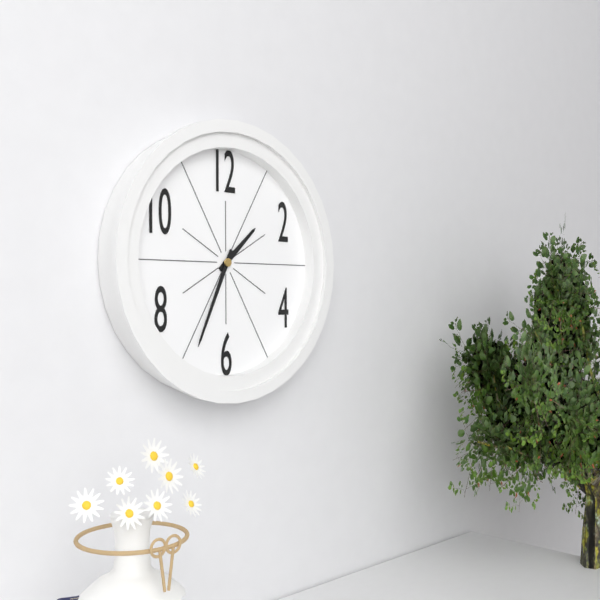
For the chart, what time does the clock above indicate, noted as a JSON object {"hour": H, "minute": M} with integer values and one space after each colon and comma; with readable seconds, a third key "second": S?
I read {"hour": 1, "minute": 34}
